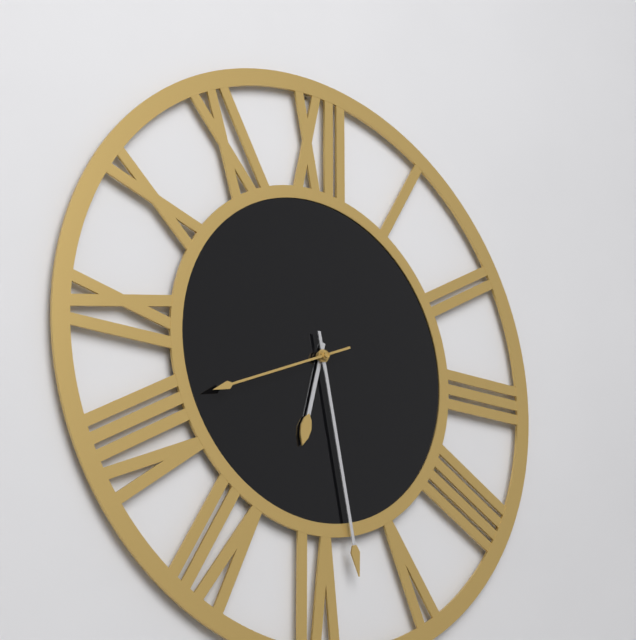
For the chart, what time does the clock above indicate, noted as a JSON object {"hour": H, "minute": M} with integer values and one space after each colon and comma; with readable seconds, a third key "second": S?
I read {"hour": 6, "minute": 28, "second": 41}
